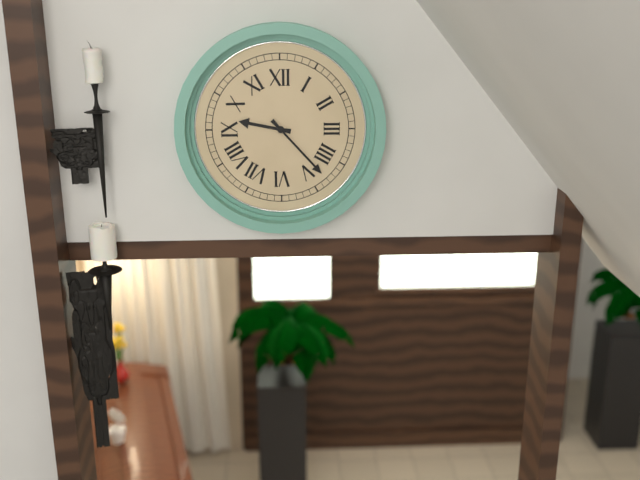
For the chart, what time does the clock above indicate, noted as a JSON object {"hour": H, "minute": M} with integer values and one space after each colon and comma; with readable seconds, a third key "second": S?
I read {"hour": 9, "minute": 23}
